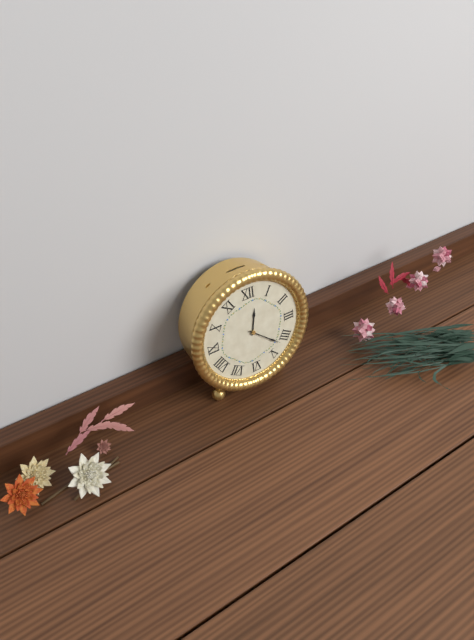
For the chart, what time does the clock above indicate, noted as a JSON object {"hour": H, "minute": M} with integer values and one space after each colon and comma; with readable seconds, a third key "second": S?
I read {"hour": 12, "minute": 22}
